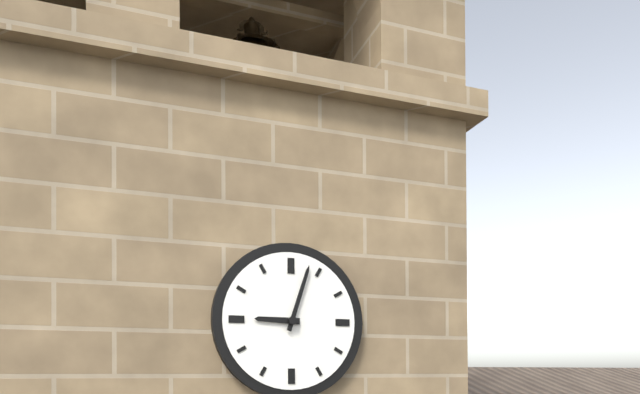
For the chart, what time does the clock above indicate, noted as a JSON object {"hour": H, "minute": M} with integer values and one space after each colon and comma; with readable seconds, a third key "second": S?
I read {"hour": 9, "minute": 3}
